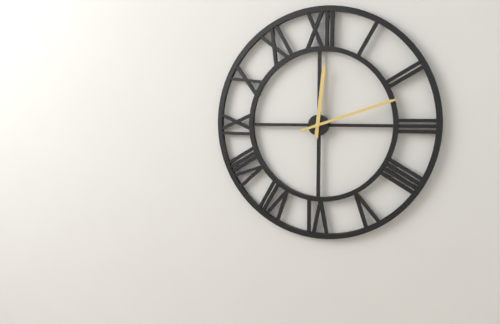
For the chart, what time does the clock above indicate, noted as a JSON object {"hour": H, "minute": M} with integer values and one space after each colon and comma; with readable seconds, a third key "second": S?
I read {"hour": 12, "minute": 12}
